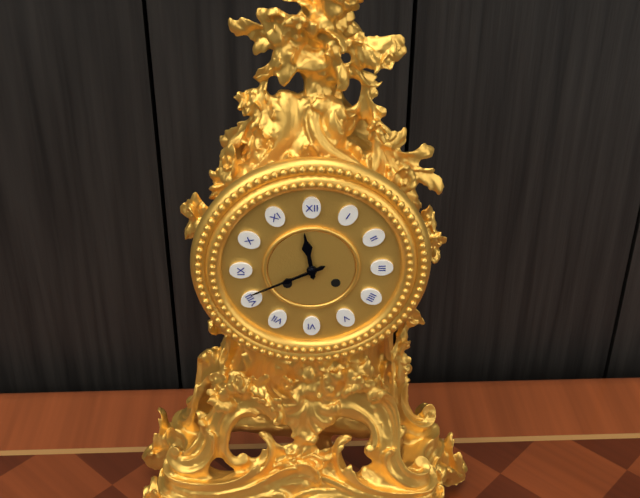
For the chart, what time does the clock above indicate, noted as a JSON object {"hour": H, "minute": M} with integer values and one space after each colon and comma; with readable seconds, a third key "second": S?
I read {"hour": 11, "minute": 41}
